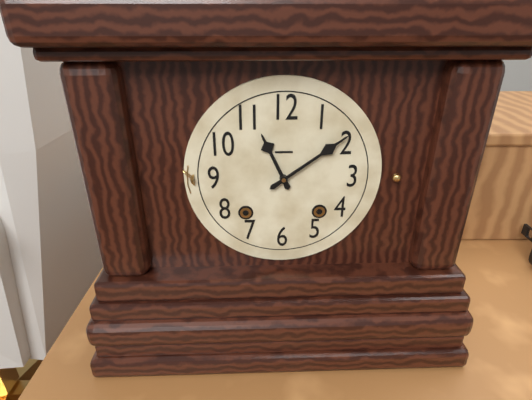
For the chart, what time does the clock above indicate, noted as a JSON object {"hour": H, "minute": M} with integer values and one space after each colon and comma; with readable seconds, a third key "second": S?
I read {"hour": 11, "minute": 9}
